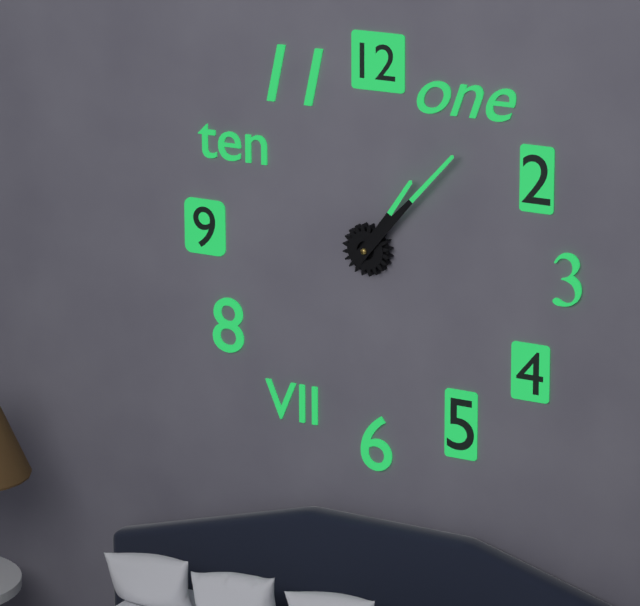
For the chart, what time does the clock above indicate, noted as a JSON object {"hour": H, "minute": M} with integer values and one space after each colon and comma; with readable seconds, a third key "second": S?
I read {"hour": 1, "minute": 7}
